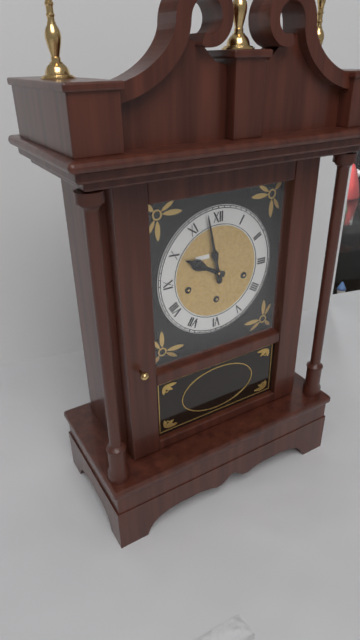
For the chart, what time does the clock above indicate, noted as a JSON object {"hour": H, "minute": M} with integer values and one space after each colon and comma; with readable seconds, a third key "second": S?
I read {"hour": 9, "minute": 58}
